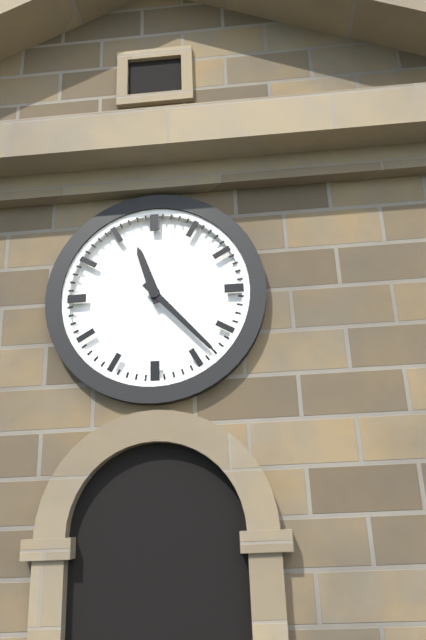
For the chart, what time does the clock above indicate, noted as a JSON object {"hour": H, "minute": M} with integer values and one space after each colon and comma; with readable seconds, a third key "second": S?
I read {"hour": 11, "minute": 23}
